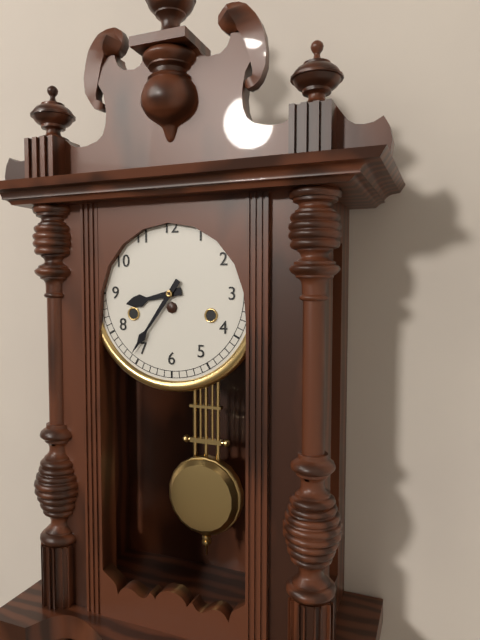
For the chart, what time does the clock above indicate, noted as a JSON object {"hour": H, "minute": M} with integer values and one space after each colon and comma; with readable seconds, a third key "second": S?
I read {"hour": 8, "minute": 36}
